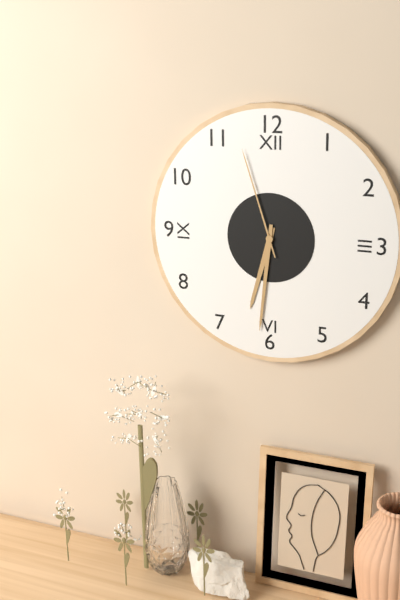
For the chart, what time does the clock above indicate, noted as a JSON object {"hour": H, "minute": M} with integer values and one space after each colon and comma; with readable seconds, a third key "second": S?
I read {"hour": 6, "minute": 31, "second": 57}
